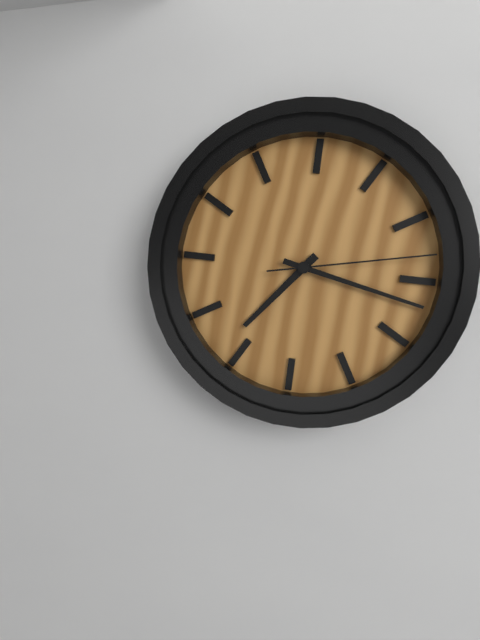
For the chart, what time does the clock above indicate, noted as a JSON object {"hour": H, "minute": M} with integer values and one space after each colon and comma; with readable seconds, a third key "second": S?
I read {"hour": 7, "minute": 17, "second": 13}
